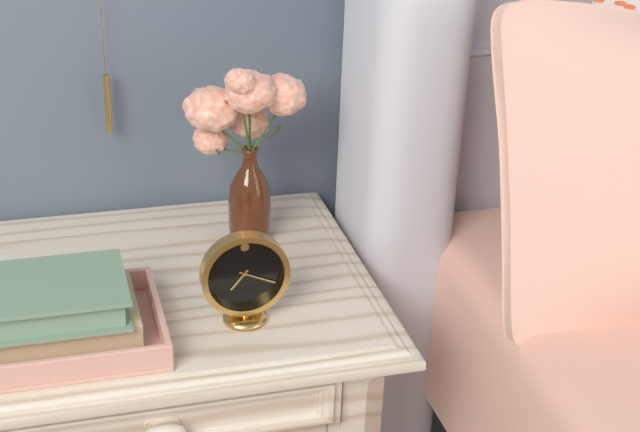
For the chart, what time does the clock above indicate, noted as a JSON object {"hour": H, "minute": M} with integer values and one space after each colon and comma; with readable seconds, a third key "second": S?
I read {"hour": 7, "minute": 19}
